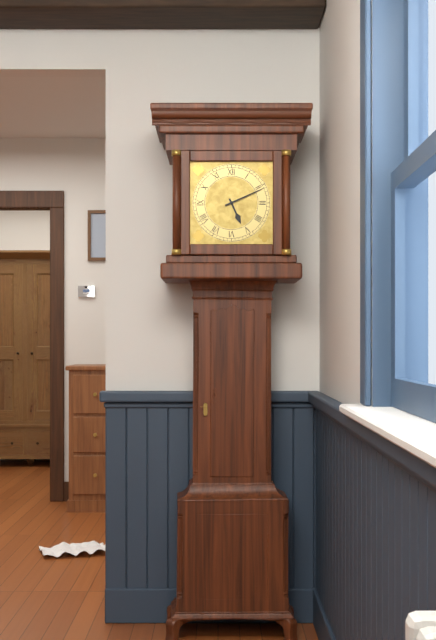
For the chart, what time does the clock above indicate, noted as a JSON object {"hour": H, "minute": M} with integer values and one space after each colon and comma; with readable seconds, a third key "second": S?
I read {"hour": 5, "minute": 11}
